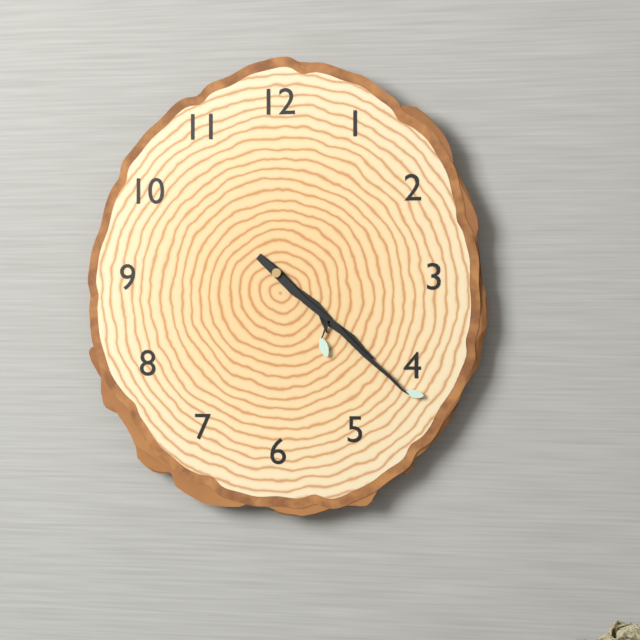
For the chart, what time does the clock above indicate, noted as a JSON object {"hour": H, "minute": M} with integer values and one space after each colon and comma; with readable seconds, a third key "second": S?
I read {"hour": 4, "minute": 22}
